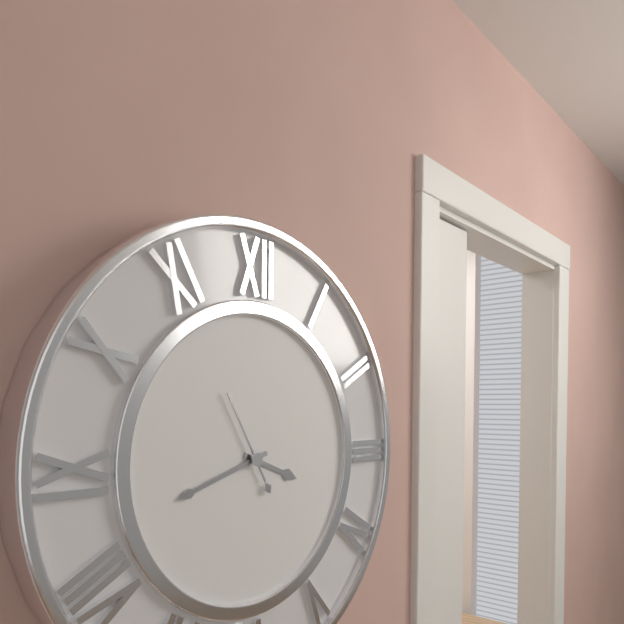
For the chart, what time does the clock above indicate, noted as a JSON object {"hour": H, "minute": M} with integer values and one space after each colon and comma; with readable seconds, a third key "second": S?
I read {"hour": 3, "minute": 42, "second": 55}
